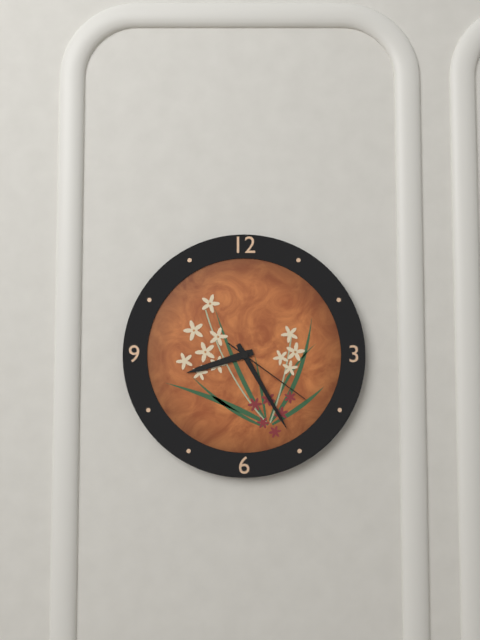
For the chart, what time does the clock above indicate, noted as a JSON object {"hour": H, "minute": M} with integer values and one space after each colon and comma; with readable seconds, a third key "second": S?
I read {"hour": 8, "minute": 25, "second": 21}
